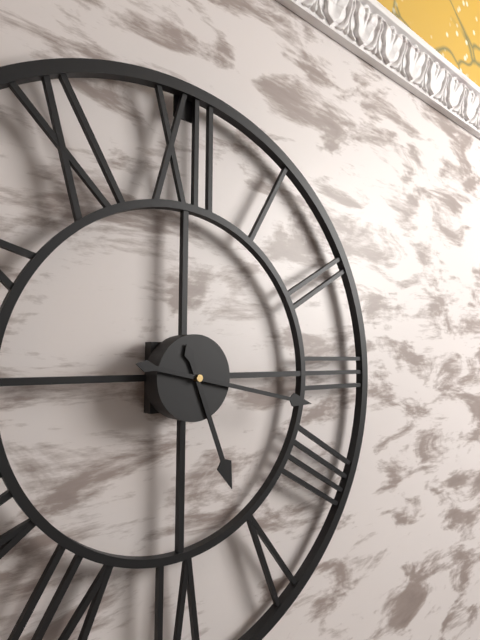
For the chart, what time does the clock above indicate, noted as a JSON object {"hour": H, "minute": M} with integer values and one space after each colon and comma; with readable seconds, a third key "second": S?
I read {"hour": 5, "minute": 17}
